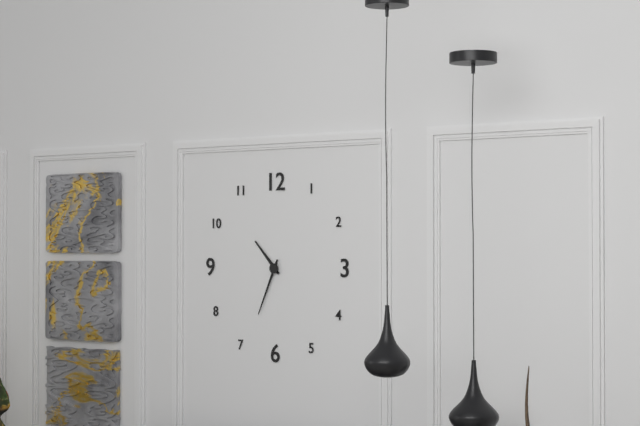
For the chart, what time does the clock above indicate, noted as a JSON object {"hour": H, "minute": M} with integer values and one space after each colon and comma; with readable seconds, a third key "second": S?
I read {"hour": 10, "minute": 34}
